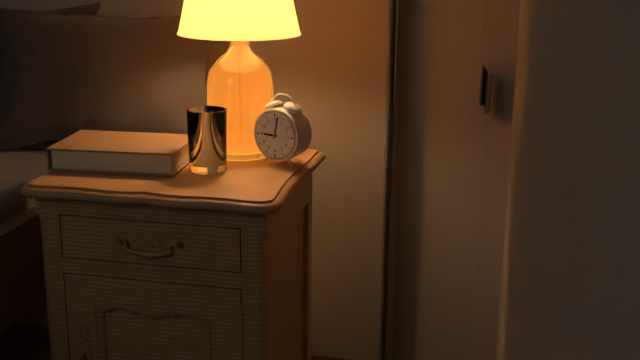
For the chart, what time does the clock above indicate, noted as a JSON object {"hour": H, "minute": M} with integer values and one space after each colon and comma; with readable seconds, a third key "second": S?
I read {"hour": 9, "minute": 2}
